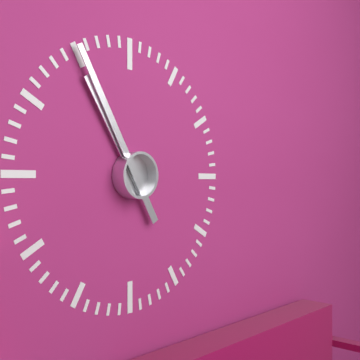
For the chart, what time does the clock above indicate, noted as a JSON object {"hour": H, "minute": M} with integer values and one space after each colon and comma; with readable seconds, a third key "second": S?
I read {"hour": 10, "minute": 55}
